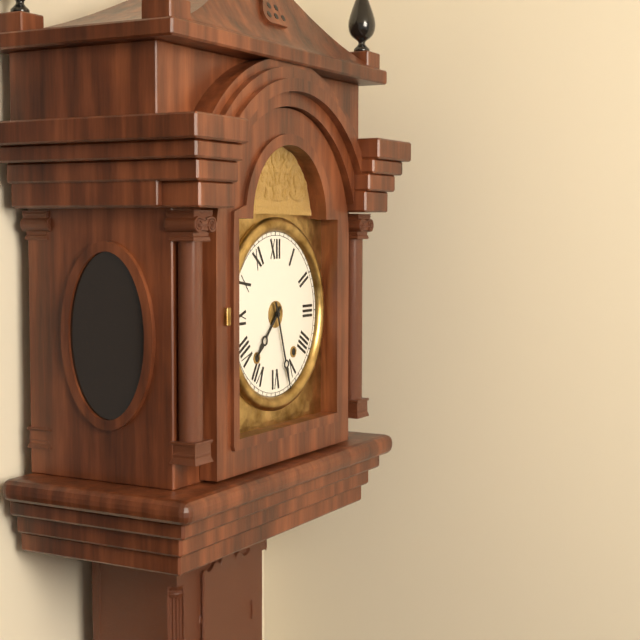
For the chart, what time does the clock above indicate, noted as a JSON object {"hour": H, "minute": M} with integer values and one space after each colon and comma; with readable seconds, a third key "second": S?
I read {"hour": 7, "minute": 27}
